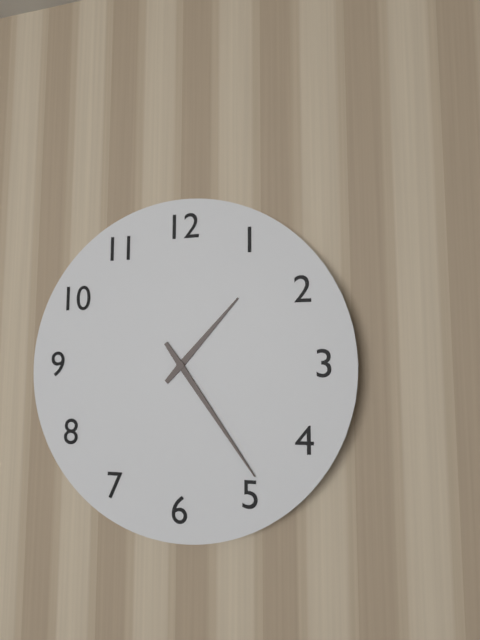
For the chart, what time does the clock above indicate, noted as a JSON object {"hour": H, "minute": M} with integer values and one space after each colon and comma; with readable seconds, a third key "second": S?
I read {"hour": 1, "minute": 24}
